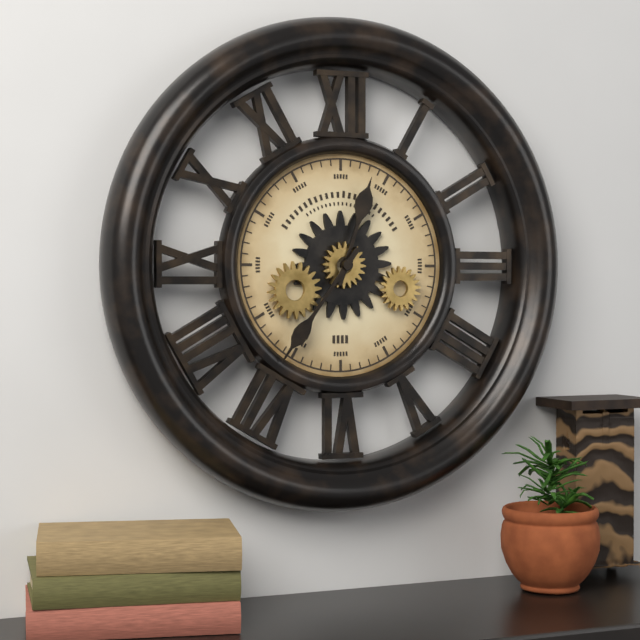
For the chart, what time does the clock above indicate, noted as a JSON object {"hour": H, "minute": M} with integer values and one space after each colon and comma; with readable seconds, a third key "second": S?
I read {"hour": 12, "minute": 36}
